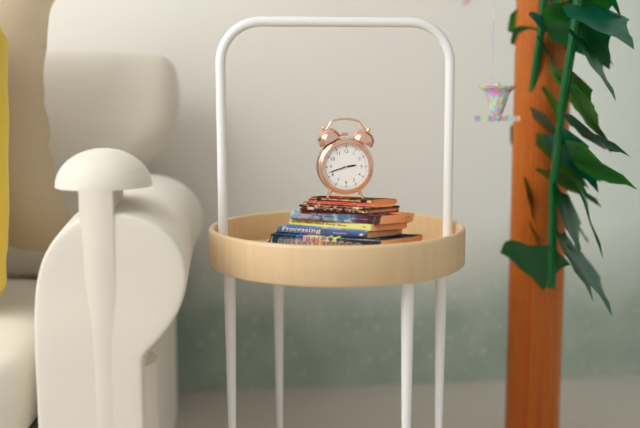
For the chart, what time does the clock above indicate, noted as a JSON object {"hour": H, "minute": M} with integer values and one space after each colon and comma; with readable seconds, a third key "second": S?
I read {"hour": 2, "minute": 42}
